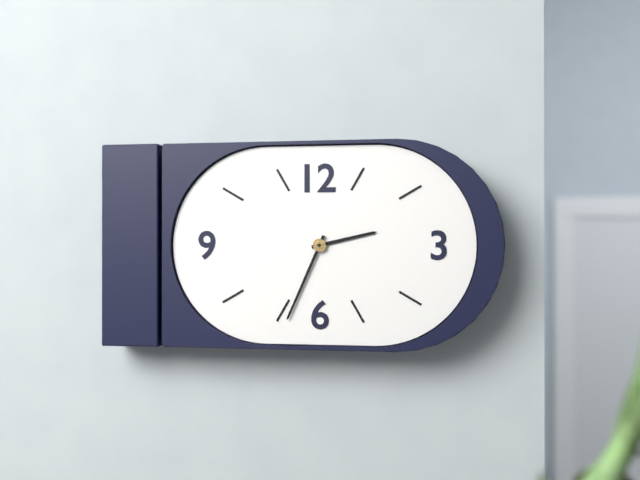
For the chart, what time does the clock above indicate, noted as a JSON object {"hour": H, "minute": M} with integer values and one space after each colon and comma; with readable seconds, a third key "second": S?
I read {"hour": 2, "minute": 34}
